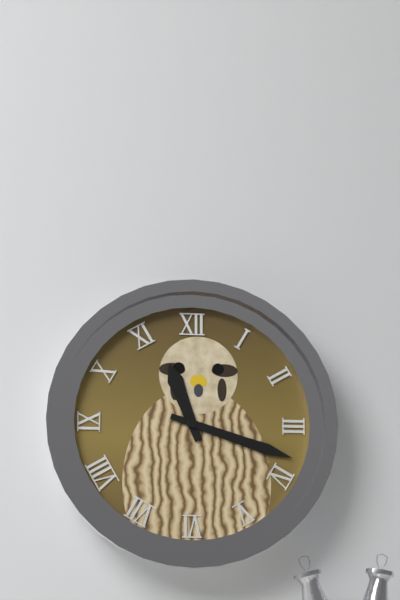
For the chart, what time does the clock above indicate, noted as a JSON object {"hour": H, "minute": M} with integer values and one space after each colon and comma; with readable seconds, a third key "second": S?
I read {"hour": 11, "minute": 18}
